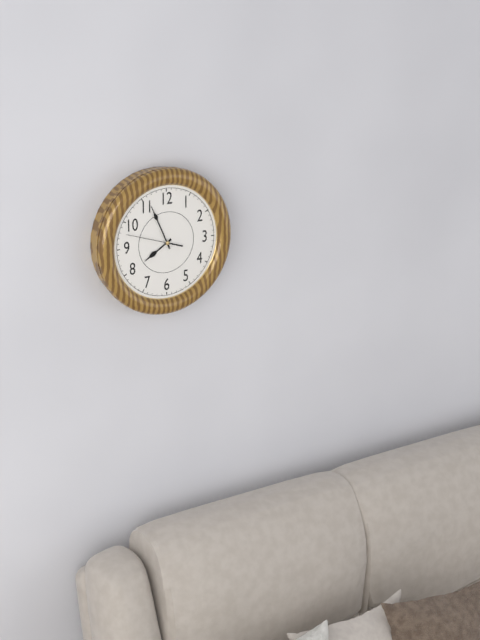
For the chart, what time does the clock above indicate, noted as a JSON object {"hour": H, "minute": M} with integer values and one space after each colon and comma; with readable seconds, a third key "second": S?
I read {"hour": 7, "minute": 56, "second": 48}
